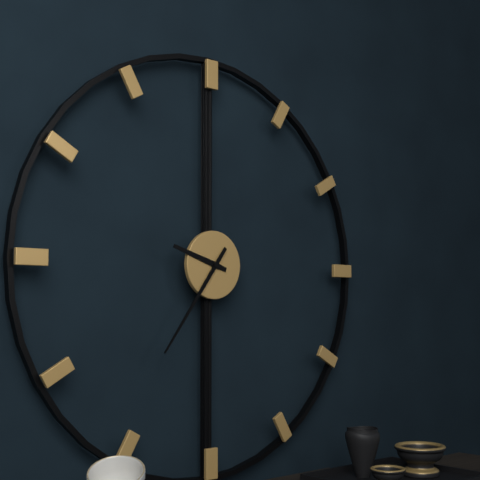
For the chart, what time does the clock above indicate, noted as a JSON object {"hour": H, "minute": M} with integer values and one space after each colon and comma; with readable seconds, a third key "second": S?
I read {"hour": 9, "minute": 36}
